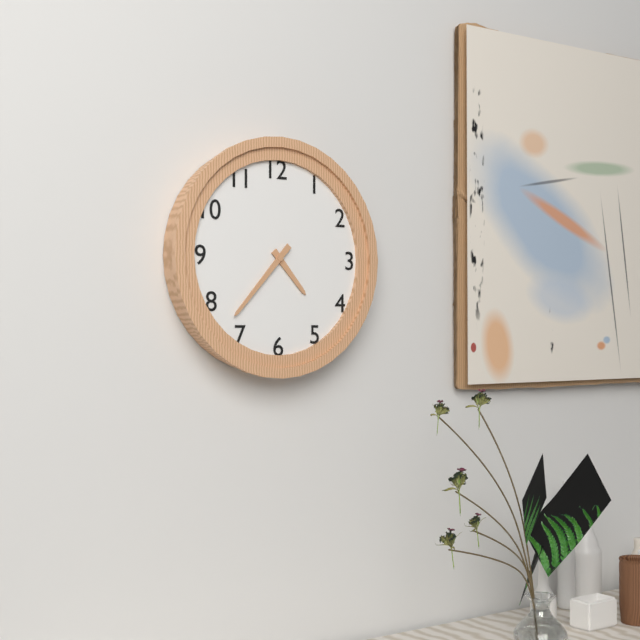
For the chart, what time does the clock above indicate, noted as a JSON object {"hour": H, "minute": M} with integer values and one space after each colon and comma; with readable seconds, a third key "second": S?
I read {"hour": 4, "minute": 37}
